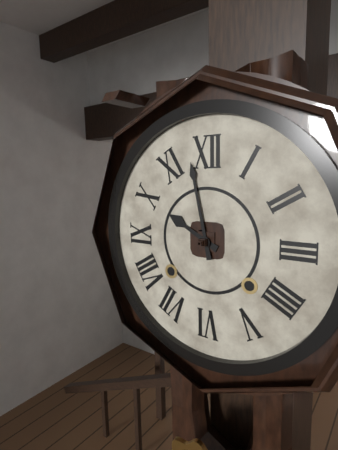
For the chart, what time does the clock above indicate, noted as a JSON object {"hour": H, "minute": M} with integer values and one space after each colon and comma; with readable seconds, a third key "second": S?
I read {"hour": 9, "minute": 58}
